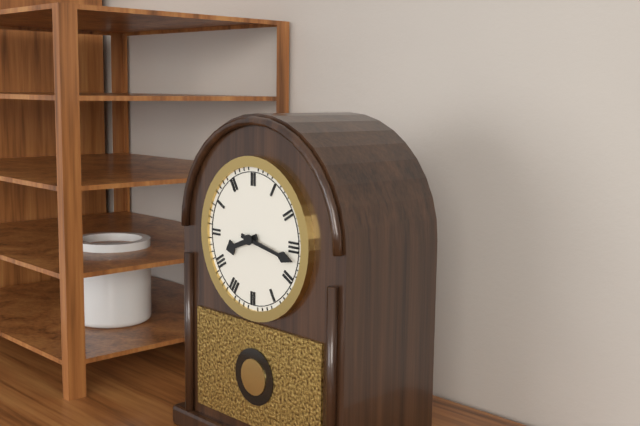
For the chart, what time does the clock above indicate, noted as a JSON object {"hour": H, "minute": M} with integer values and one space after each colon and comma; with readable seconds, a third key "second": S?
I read {"hour": 8, "minute": 17}
